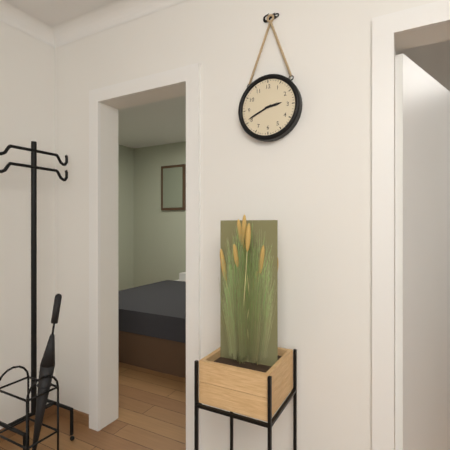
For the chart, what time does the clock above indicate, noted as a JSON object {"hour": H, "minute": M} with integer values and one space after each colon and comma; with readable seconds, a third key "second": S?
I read {"hour": 2, "minute": 41}
